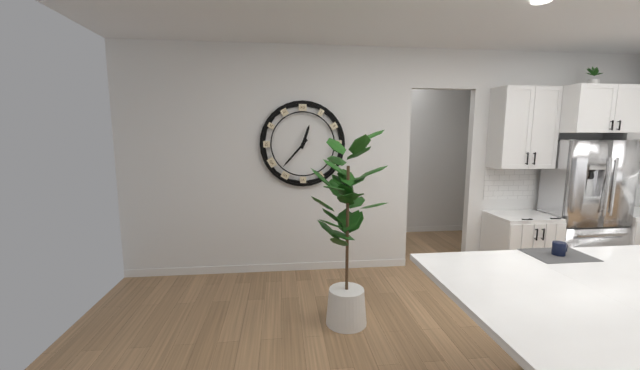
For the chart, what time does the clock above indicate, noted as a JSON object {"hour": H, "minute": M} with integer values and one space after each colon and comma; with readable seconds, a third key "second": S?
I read {"hour": 12, "minute": 37}
